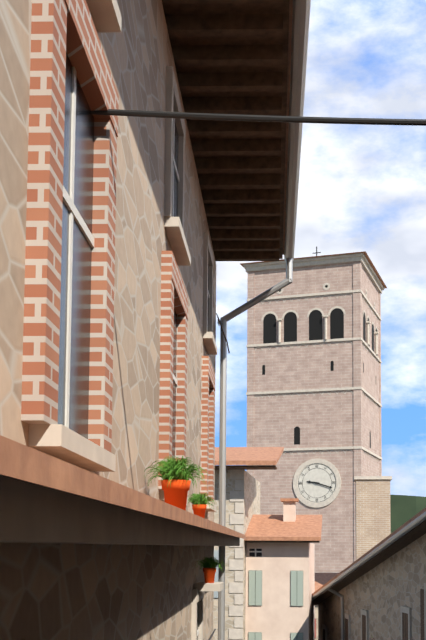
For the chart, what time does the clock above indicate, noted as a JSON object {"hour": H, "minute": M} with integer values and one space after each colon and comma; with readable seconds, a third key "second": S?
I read {"hour": 9, "minute": 18}
